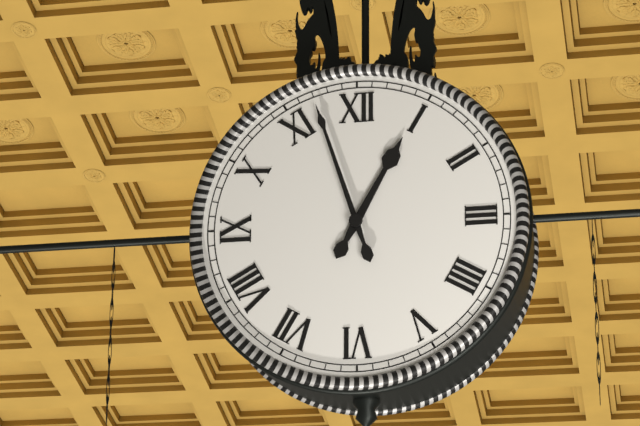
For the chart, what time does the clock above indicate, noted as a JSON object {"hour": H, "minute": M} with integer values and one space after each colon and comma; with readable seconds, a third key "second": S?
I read {"hour": 12, "minute": 57}
